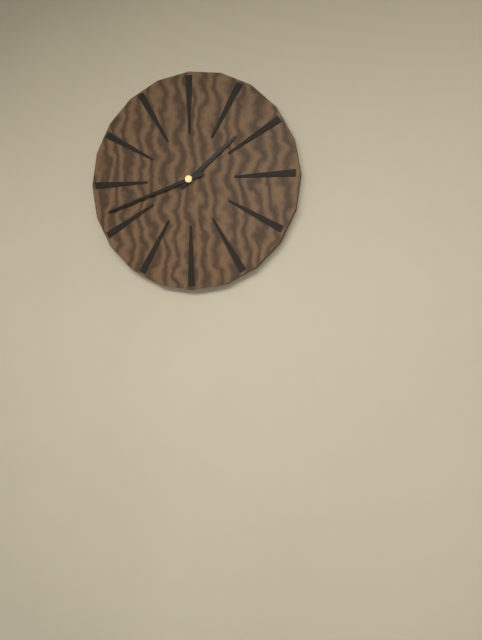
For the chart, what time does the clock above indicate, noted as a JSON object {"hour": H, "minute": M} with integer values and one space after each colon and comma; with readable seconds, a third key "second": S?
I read {"hour": 1, "minute": 42}
